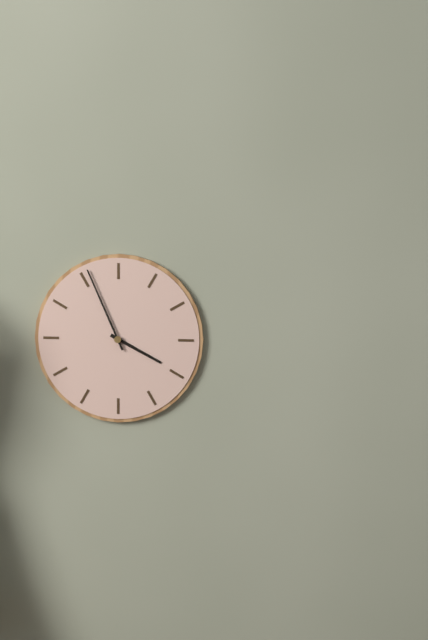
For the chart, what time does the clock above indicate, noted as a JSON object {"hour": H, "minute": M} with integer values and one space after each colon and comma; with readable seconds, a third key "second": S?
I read {"hour": 3, "minute": 56}
